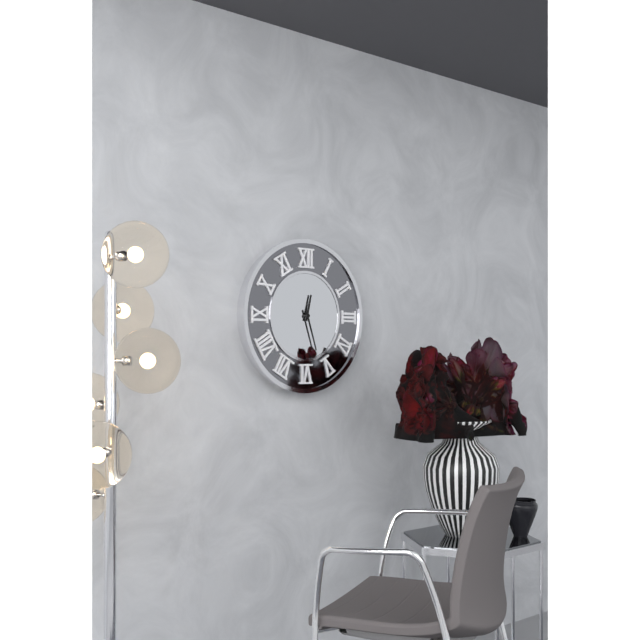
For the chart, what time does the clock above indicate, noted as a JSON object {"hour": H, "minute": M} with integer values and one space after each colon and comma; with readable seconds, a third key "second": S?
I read {"hour": 12, "minute": 27}
